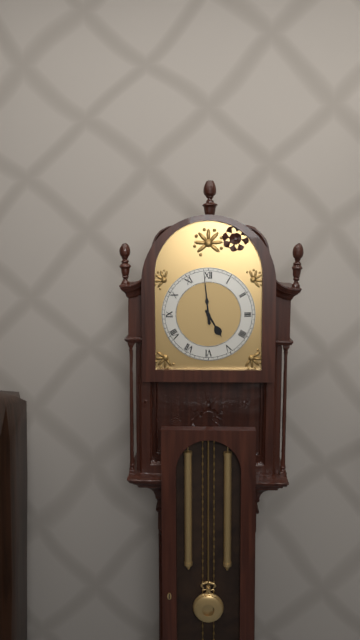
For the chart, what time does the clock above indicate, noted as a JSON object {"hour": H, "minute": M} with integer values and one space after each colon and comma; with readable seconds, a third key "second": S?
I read {"hour": 4, "minute": 59}
